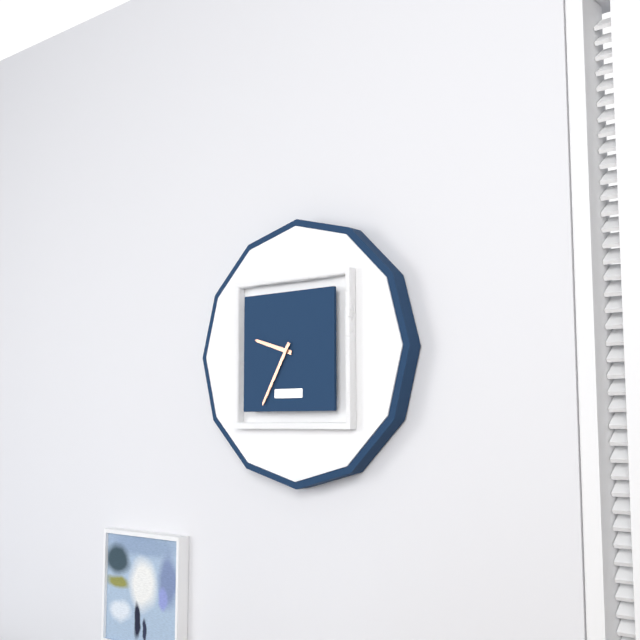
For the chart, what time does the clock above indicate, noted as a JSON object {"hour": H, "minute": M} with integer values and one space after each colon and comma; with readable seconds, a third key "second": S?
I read {"hour": 9, "minute": 35}
